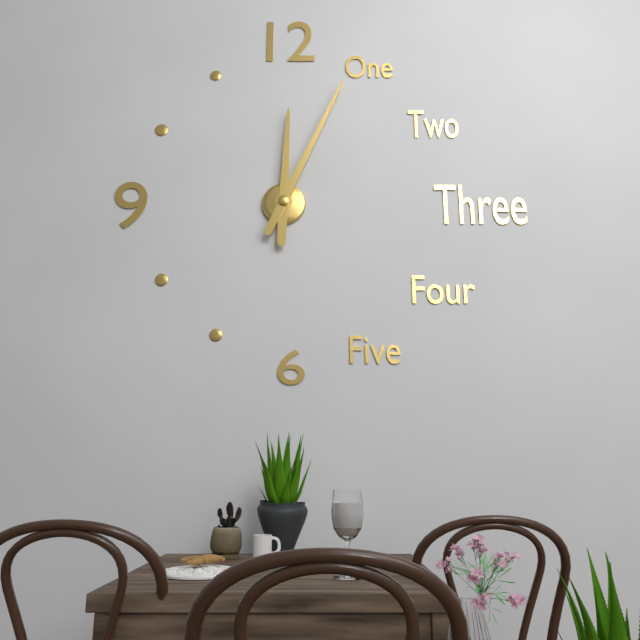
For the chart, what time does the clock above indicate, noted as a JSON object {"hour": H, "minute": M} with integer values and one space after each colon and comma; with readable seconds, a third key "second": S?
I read {"hour": 12, "minute": 4}
